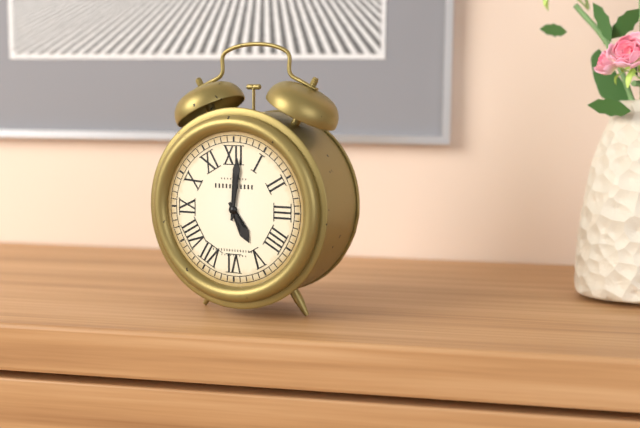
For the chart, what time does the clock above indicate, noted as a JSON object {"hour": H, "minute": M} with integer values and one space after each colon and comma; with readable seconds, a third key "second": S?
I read {"hour": 5, "minute": 1}
